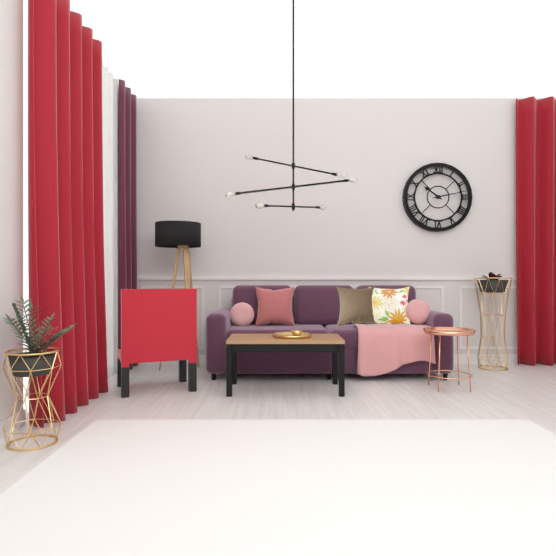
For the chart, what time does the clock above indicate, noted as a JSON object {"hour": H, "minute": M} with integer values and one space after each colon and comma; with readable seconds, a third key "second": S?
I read {"hour": 10, "minute": 13}
